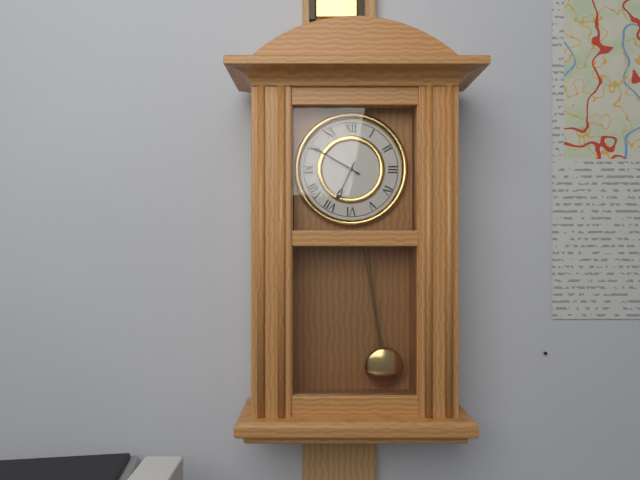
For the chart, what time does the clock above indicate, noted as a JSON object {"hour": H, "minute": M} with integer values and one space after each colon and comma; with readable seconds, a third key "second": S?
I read {"hour": 6, "minute": 50}
